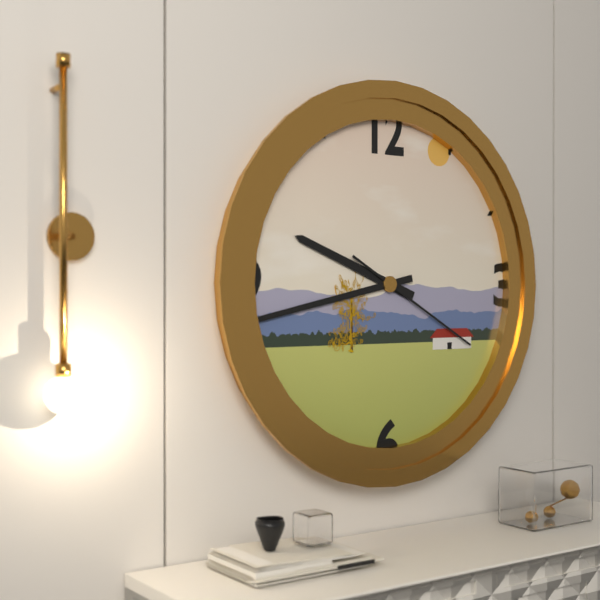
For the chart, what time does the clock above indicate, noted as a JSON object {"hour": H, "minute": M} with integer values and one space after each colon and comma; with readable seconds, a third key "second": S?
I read {"hour": 9, "minute": 43, "second": 20}
